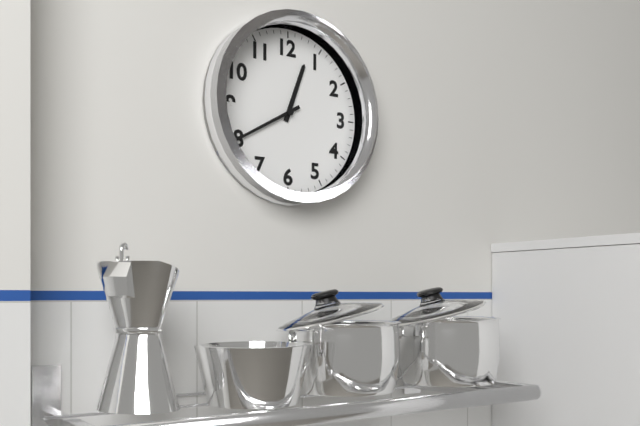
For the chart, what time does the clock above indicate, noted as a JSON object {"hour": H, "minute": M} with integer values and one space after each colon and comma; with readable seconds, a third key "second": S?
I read {"hour": 12, "minute": 40}
